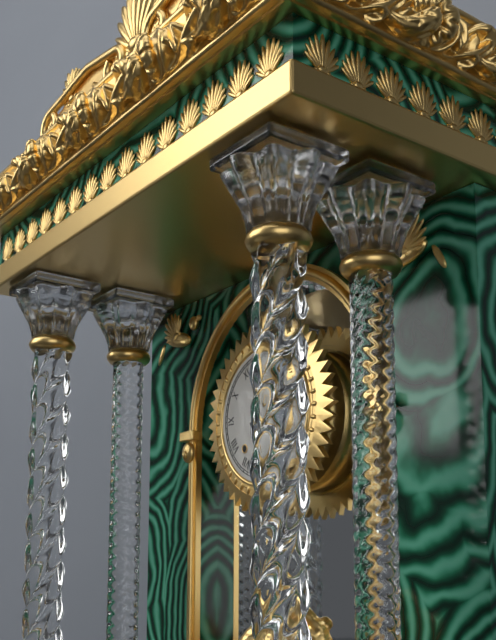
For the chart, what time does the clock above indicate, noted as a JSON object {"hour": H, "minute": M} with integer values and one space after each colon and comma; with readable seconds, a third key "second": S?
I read {"hour": 12, "minute": 10, "second": 10}
